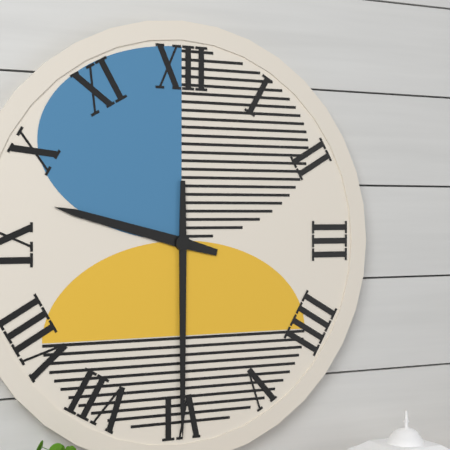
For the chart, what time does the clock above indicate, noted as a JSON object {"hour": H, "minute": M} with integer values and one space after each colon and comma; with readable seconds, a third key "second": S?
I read {"hour": 9, "minute": 30}
